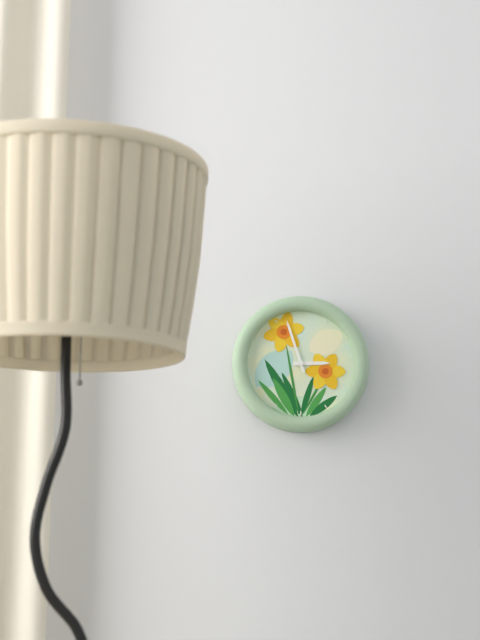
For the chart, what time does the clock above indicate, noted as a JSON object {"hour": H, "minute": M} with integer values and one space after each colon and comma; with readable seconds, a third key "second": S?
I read {"hour": 2, "minute": 57}
